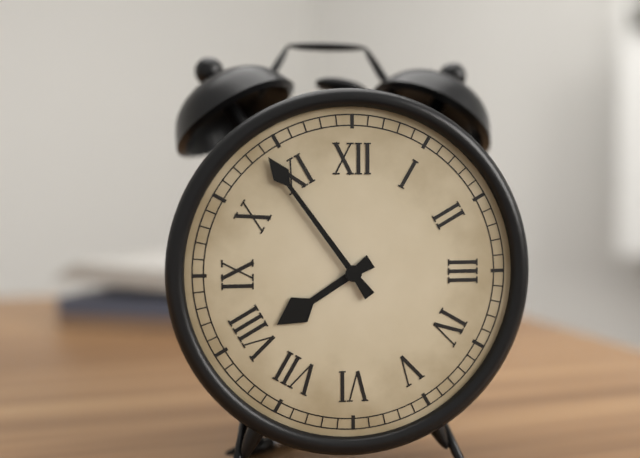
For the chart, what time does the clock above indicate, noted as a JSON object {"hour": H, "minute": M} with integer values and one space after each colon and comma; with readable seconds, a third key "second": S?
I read {"hour": 7, "minute": 54}
